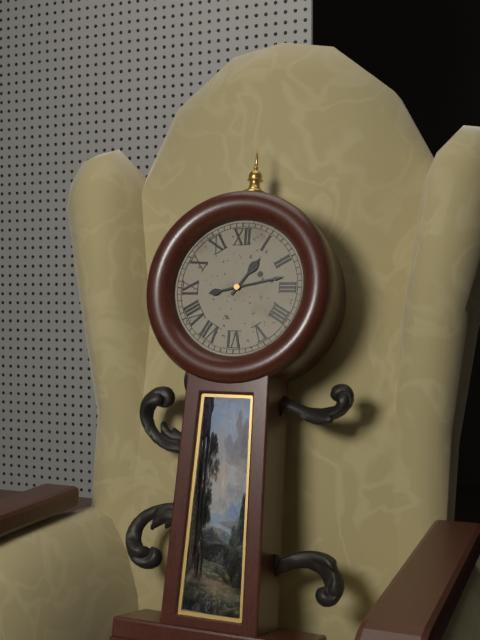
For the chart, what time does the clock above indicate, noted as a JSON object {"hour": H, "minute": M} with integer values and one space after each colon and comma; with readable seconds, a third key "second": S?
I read {"hour": 1, "minute": 13}
